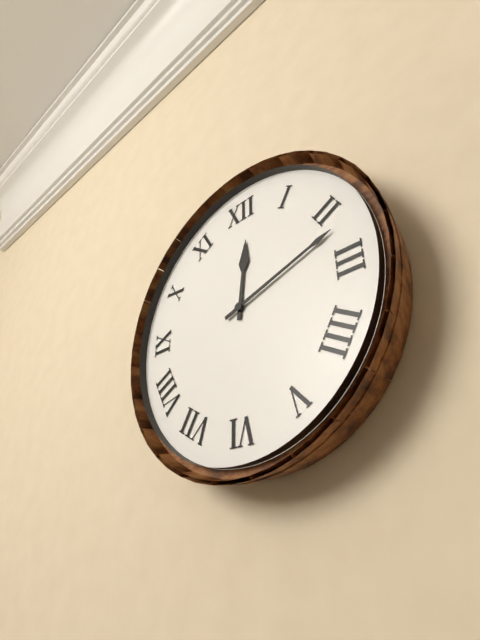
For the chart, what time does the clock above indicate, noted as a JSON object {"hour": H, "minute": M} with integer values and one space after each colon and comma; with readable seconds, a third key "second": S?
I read {"hour": 12, "minute": 12}
